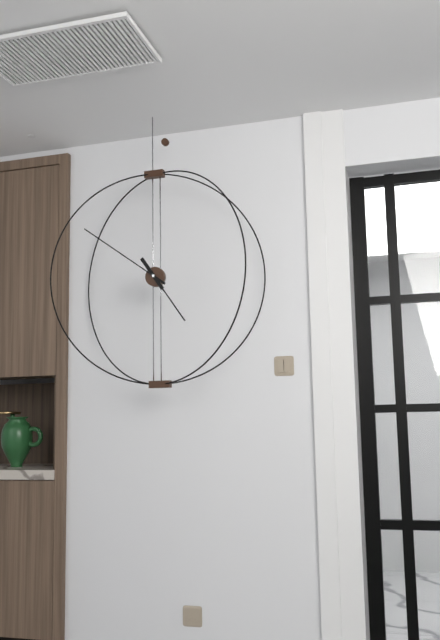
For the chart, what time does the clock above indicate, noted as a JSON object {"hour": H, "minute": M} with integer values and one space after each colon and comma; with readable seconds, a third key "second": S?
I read {"hour": 4, "minute": 51}
